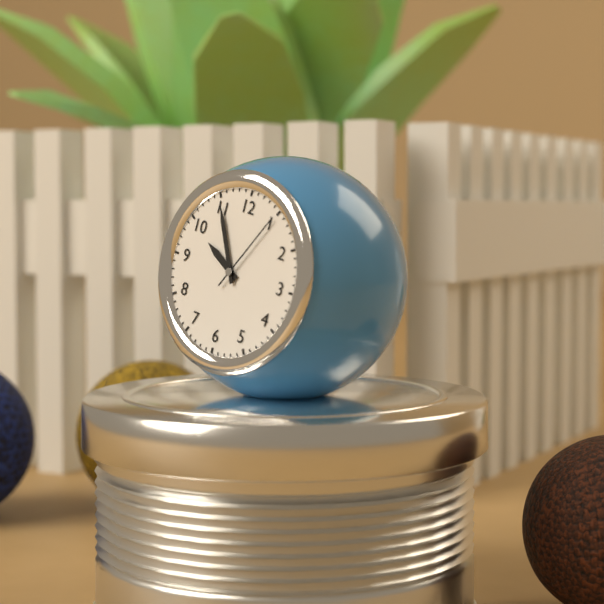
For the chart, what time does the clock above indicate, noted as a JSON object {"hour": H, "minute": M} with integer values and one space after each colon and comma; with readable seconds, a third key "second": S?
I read {"hour": 9, "minute": 55, "second": 5}
